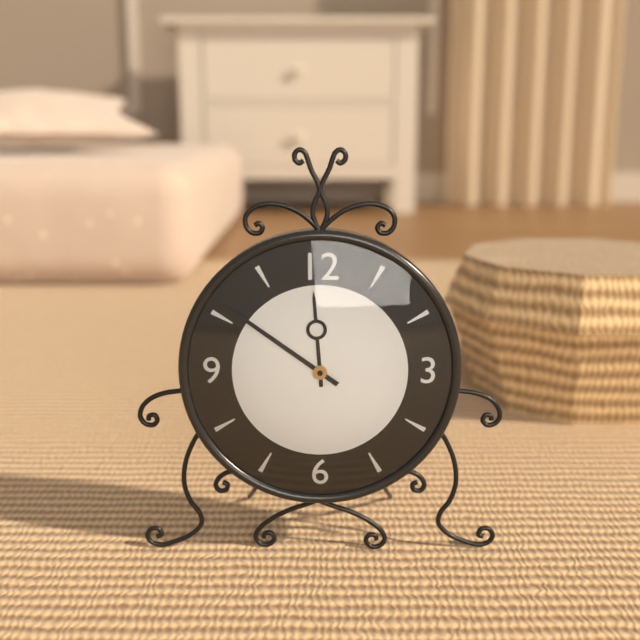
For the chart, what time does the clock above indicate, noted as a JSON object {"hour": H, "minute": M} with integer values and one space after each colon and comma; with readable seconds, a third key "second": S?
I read {"hour": 11, "minute": 51}
